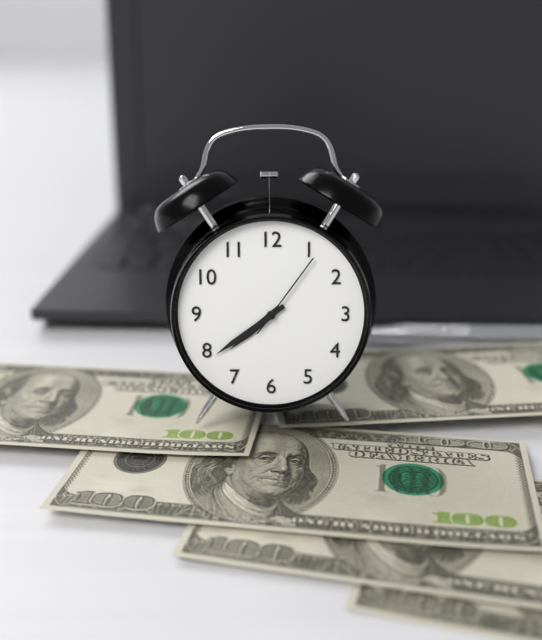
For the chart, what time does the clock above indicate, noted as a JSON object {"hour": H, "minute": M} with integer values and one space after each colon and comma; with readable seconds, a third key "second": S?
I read {"hour": 7, "minute": 39, "second": 6}
